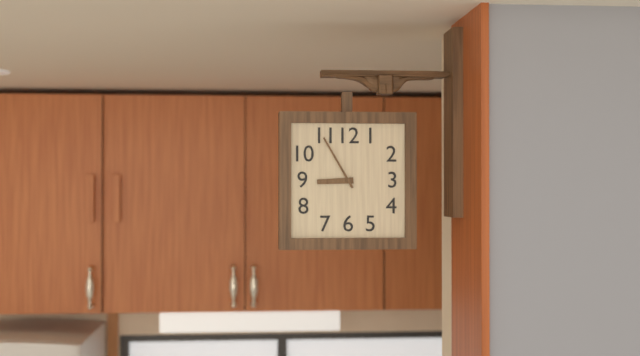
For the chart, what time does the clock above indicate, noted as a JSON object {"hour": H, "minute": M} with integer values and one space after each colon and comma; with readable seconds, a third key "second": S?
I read {"hour": 8, "minute": 55}
